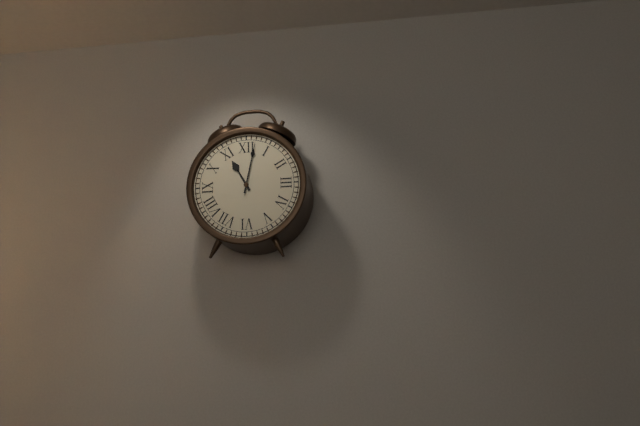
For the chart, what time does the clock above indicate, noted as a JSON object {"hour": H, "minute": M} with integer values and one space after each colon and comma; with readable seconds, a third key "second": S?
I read {"hour": 11, "minute": 2}
